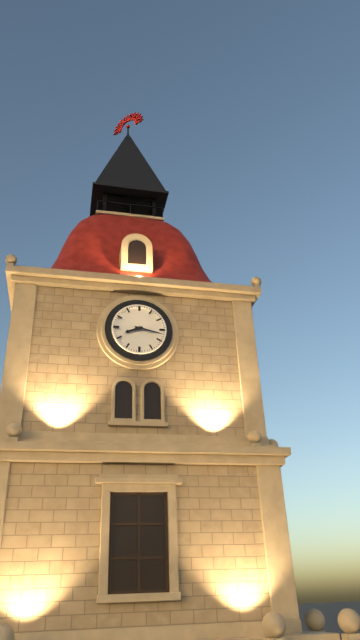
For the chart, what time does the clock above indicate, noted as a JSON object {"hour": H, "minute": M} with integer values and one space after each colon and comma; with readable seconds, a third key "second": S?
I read {"hour": 8, "minute": 17}
